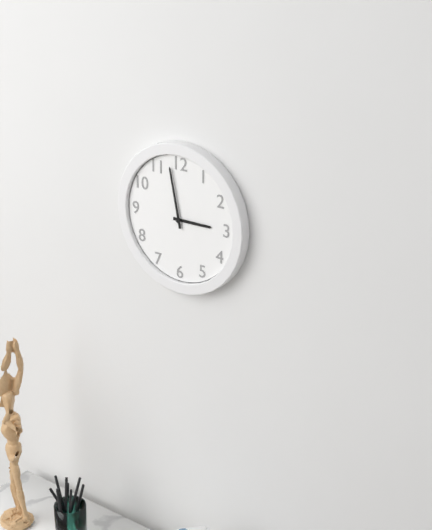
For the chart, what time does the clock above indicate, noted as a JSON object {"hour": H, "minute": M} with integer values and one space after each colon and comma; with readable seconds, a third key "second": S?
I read {"hour": 2, "minute": 58}
